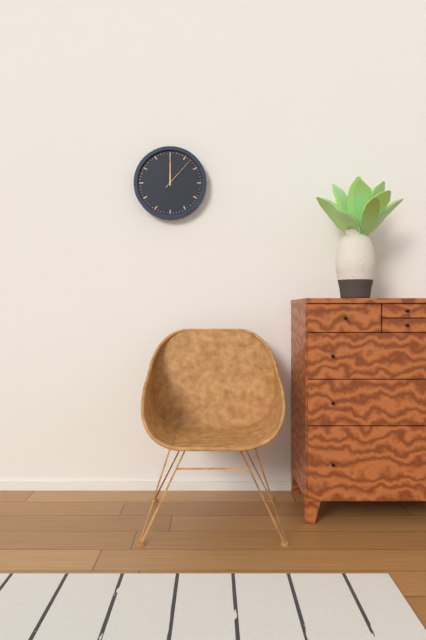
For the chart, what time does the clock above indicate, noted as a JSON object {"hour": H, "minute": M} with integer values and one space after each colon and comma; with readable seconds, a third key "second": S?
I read {"hour": 12, "minute": 0}
